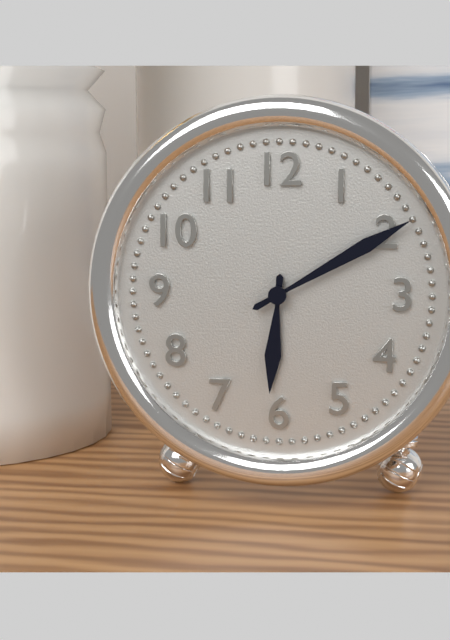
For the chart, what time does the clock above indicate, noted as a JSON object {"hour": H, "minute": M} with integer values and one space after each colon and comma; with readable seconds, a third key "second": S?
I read {"hour": 6, "minute": 10}
